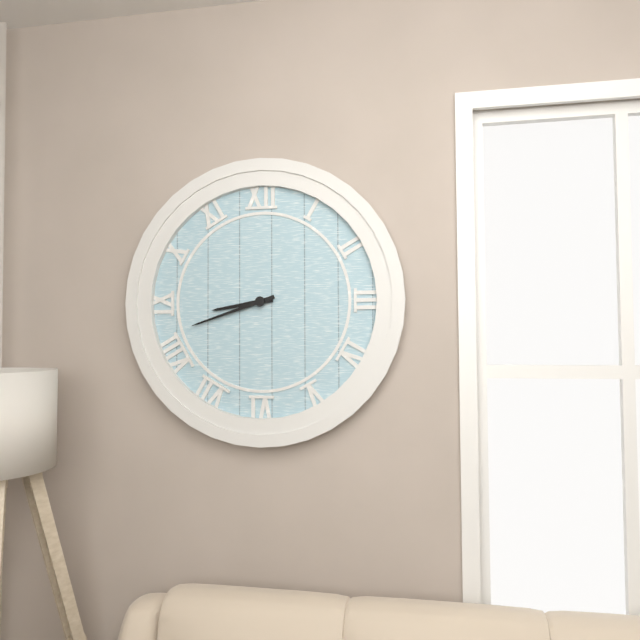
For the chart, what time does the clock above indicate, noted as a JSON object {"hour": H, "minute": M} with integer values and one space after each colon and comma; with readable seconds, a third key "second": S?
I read {"hour": 8, "minute": 42}
